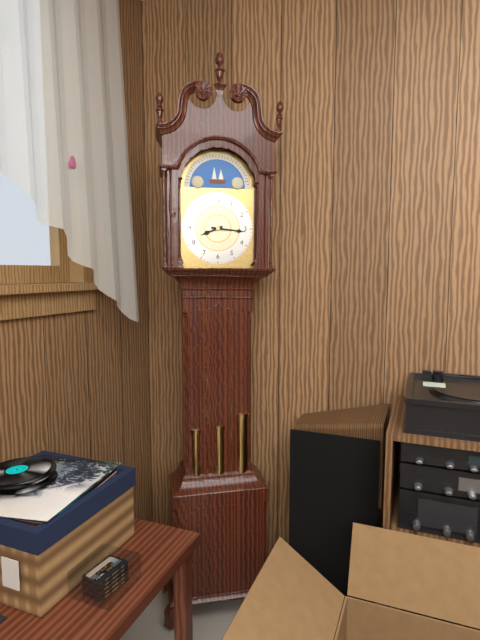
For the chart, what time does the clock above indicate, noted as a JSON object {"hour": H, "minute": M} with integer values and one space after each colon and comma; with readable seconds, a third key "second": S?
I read {"hour": 8, "minute": 16}
